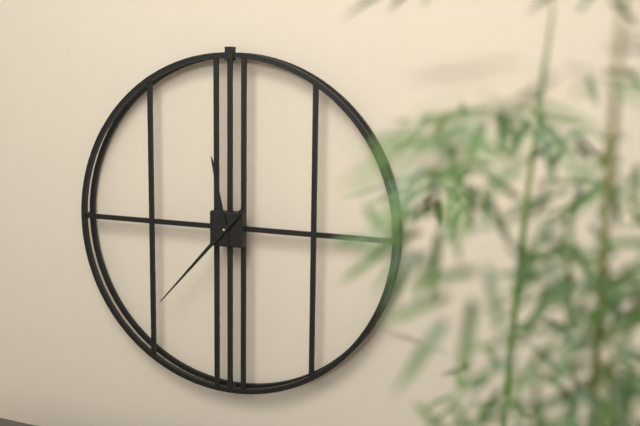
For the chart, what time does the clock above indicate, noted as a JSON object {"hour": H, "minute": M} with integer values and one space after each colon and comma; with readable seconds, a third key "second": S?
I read {"hour": 11, "minute": 37}
